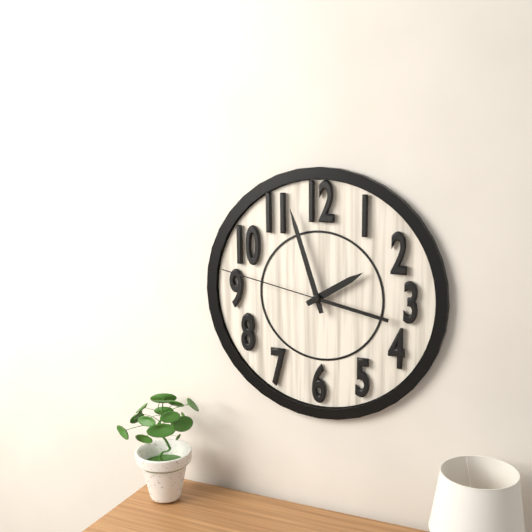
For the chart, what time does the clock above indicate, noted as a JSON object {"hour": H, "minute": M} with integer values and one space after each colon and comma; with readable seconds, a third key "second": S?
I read {"hour": 1, "minute": 57, "second": 47}
